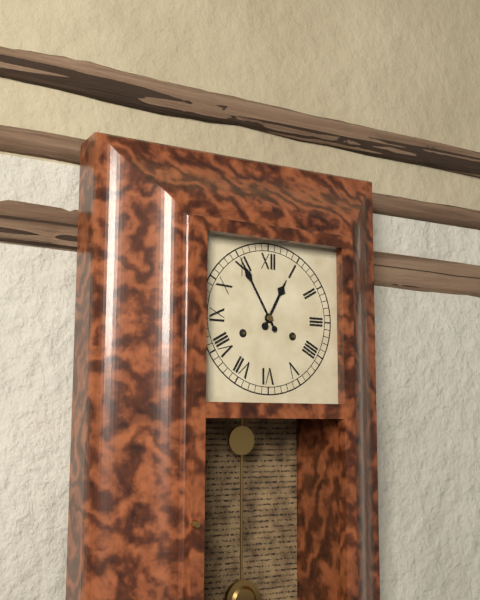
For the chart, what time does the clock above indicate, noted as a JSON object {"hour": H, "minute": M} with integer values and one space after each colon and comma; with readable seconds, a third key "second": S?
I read {"hour": 12, "minute": 55}
